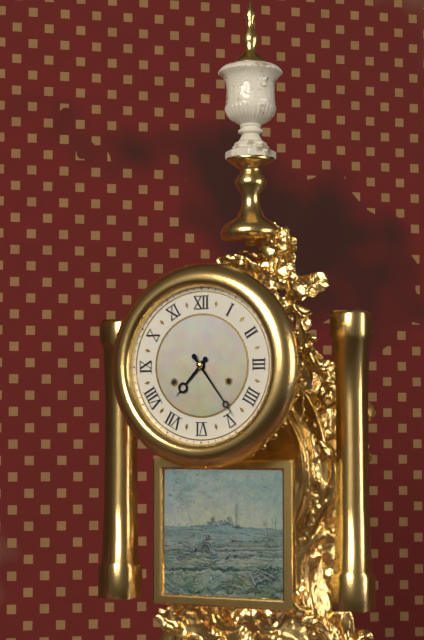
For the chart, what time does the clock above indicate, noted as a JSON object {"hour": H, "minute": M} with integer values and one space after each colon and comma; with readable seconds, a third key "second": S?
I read {"hour": 7, "minute": 24}
